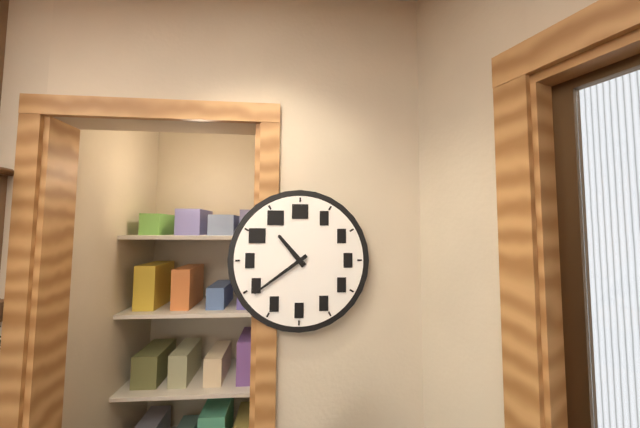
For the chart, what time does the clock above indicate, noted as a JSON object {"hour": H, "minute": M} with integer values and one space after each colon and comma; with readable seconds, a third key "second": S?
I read {"hour": 10, "minute": 39}
